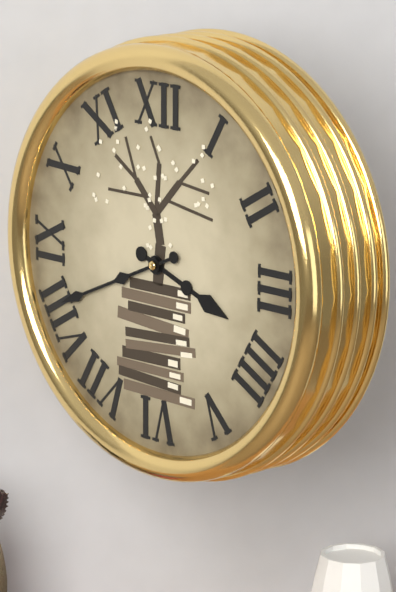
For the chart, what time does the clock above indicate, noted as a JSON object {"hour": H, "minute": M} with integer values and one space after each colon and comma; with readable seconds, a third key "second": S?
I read {"hour": 3, "minute": 41}
